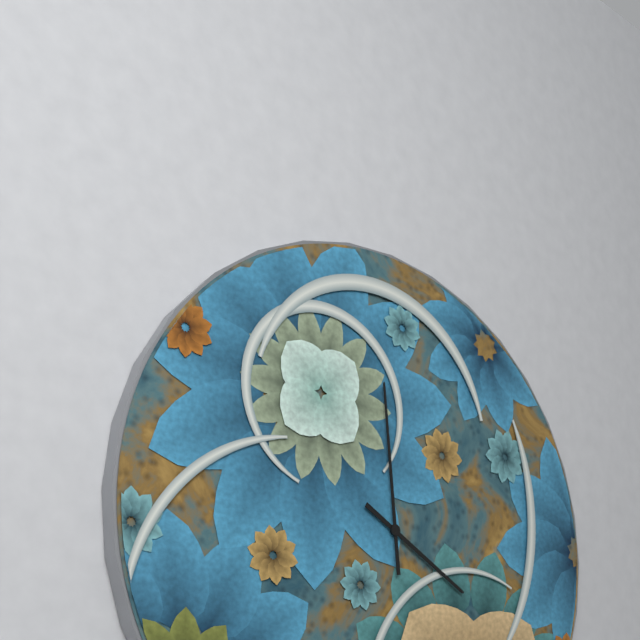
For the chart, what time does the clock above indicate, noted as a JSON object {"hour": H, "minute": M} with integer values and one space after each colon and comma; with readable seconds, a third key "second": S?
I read {"hour": 3, "minute": 59}
